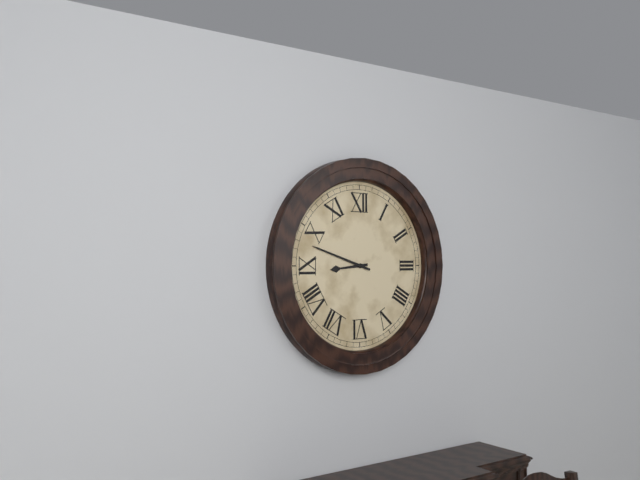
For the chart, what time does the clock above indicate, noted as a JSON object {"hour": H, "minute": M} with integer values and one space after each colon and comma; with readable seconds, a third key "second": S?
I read {"hour": 8, "minute": 48}
